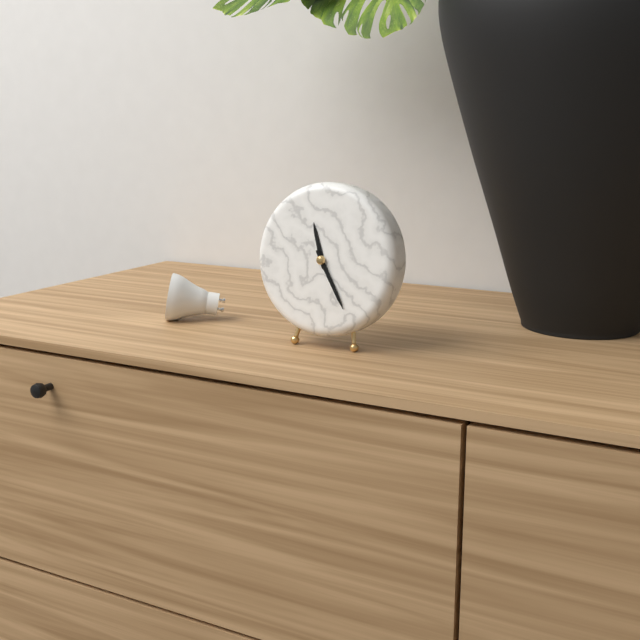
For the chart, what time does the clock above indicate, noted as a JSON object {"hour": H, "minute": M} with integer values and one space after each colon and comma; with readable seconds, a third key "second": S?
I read {"hour": 11, "minute": 25}
